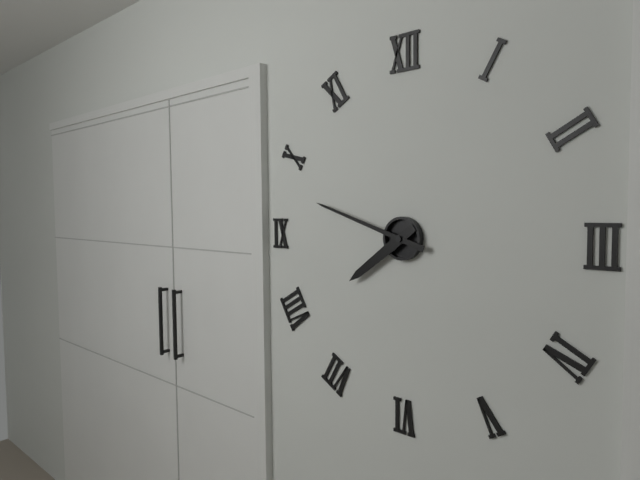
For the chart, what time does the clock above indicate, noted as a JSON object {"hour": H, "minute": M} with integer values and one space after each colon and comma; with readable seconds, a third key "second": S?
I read {"hour": 7, "minute": 48}
